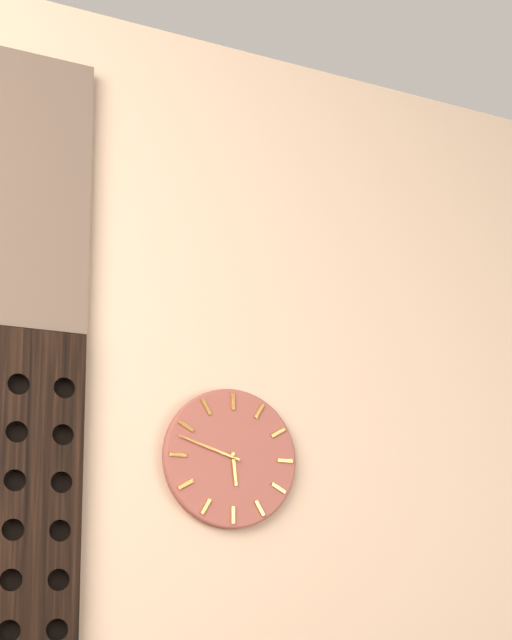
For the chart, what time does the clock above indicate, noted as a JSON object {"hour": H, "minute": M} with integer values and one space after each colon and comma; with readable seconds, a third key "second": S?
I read {"hour": 5, "minute": 48}
